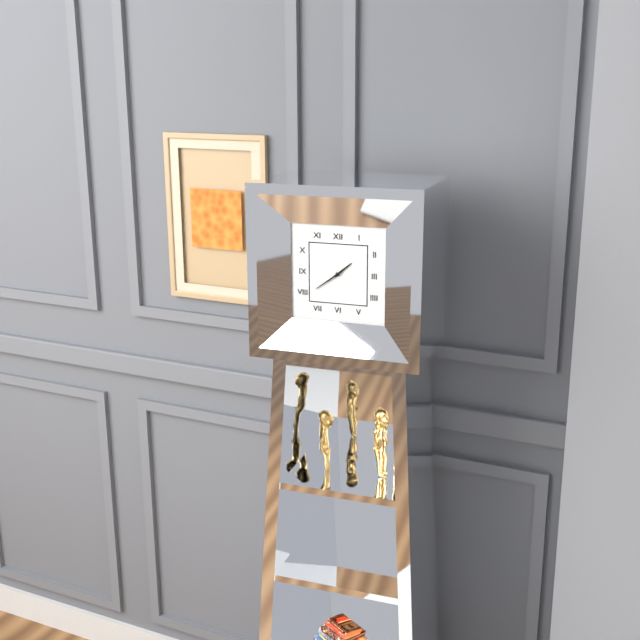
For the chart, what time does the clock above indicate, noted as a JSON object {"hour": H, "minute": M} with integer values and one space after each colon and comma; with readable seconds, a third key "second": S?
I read {"hour": 1, "minute": 39}
